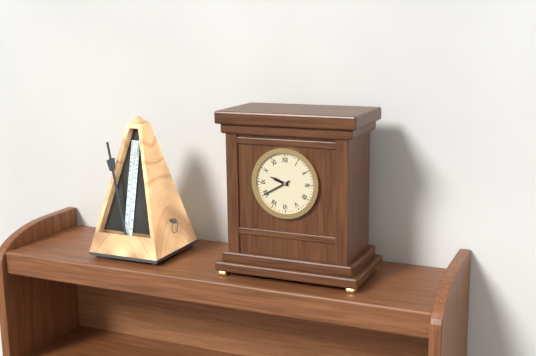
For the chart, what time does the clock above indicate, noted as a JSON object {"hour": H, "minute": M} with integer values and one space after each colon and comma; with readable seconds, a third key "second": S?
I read {"hour": 9, "minute": 40}
